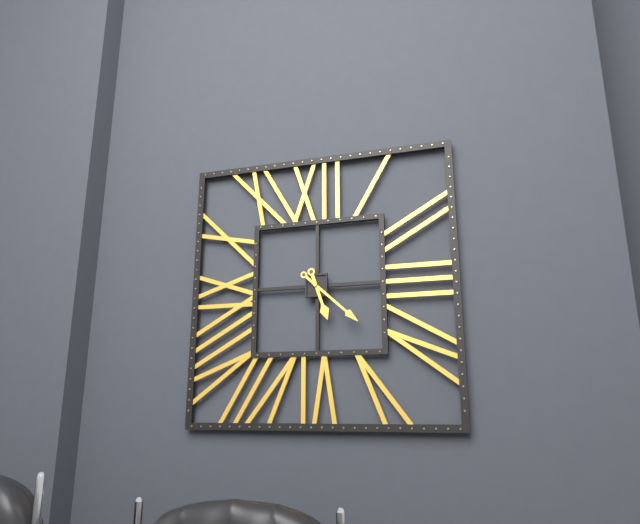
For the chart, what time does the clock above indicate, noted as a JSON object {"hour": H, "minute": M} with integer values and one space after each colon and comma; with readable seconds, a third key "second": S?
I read {"hour": 5, "minute": 22}
